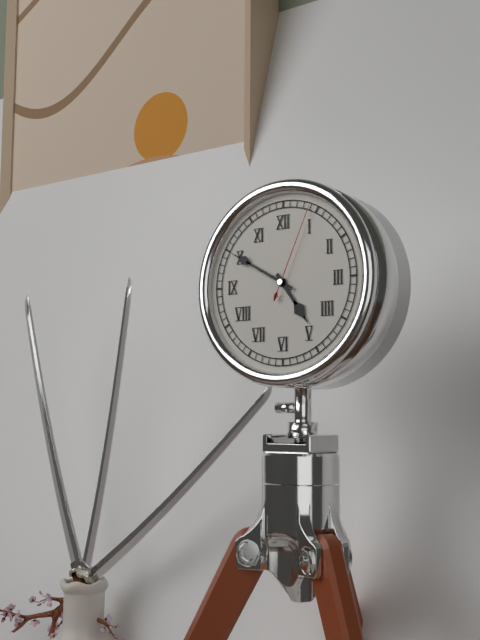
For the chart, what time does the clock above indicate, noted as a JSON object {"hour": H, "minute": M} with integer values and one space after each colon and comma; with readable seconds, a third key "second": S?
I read {"hour": 4, "minute": 50, "second": 4}
